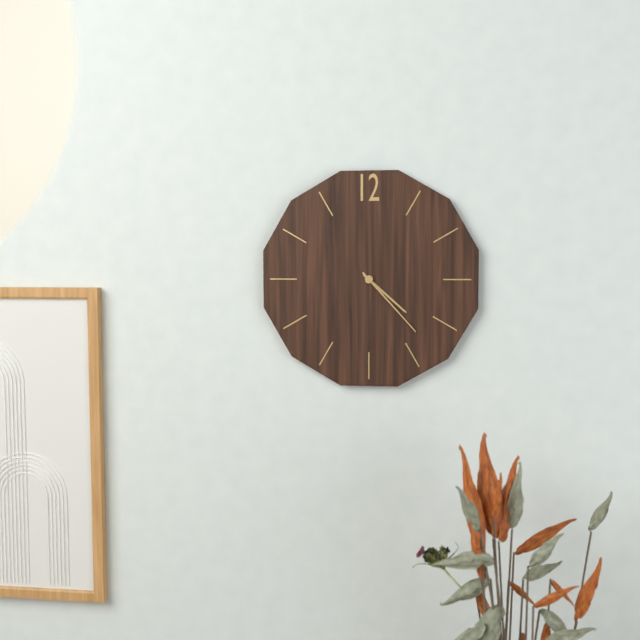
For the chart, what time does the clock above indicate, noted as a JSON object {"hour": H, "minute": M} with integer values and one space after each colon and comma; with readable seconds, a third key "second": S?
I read {"hour": 4, "minute": 23}
